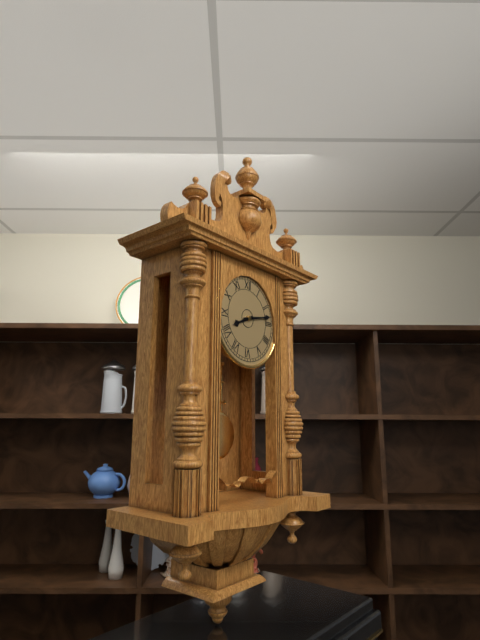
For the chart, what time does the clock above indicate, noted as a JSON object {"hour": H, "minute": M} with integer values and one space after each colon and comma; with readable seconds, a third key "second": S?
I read {"hour": 8, "minute": 13}
